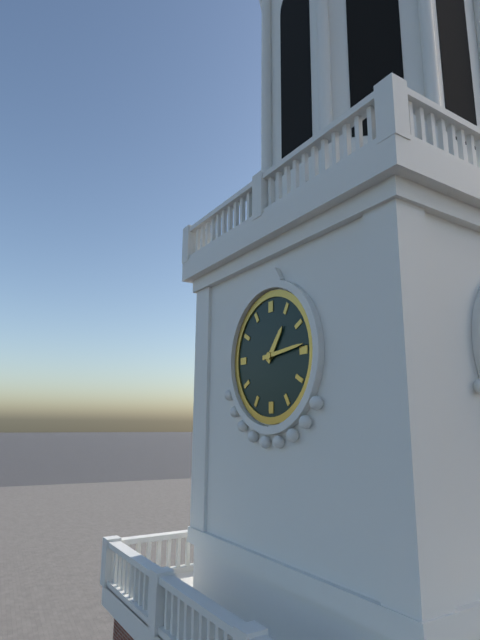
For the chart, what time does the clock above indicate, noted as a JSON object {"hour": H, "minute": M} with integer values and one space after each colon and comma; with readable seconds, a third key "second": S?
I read {"hour": 1, "minute": 14}
